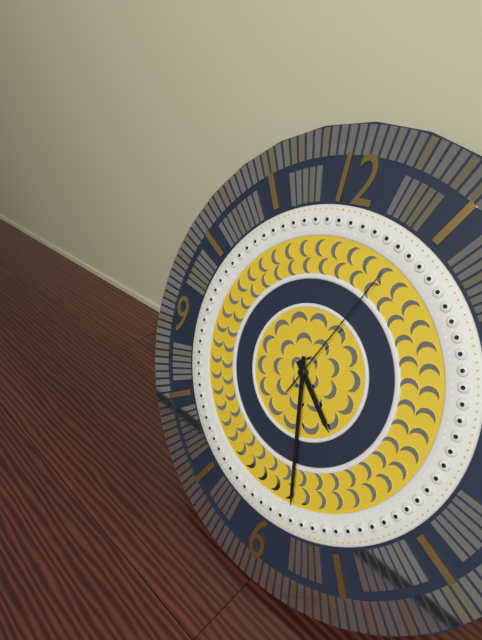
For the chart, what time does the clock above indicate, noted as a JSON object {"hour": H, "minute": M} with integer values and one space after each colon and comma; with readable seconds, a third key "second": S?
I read {"hour": 4, "minute": 28, "second": 4}
